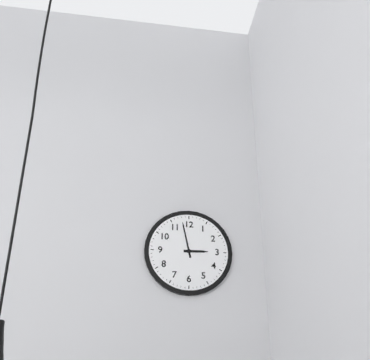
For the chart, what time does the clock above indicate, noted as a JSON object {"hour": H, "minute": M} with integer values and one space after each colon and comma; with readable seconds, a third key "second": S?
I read {"hour": 2, "minute": 58}
